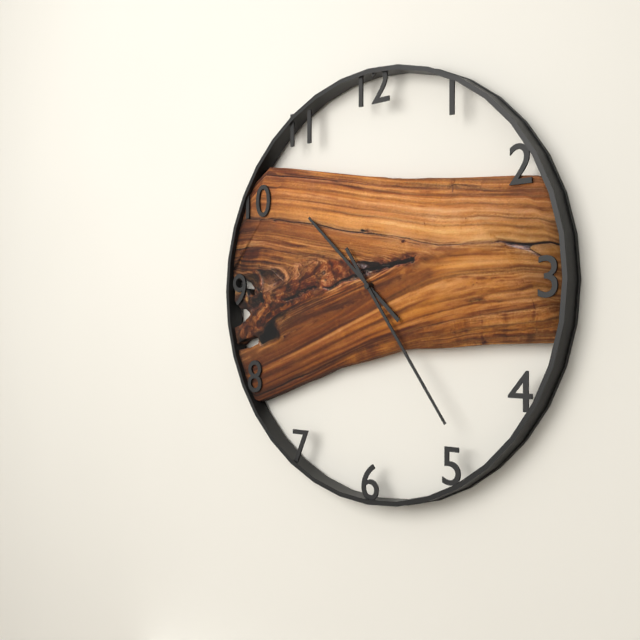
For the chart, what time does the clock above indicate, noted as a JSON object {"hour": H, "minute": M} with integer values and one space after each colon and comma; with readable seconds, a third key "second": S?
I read {"hour": 10, "minute": 24}
